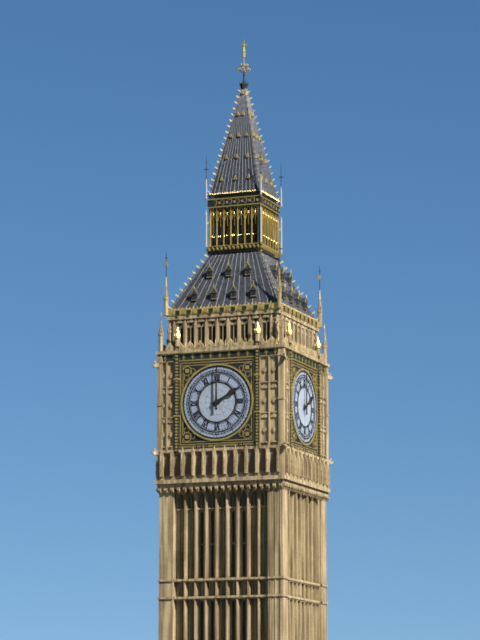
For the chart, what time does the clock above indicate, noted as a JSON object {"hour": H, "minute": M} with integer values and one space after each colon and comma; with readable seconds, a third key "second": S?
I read {"hour": 2, "minute": 0}
